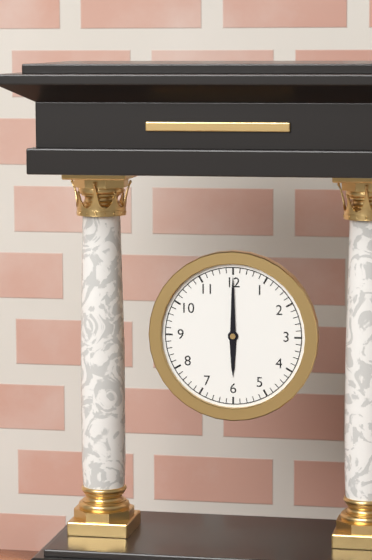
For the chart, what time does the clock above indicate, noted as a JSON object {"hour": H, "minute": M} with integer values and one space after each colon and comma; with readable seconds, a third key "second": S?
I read {"hour": 6, "minute": 0}
